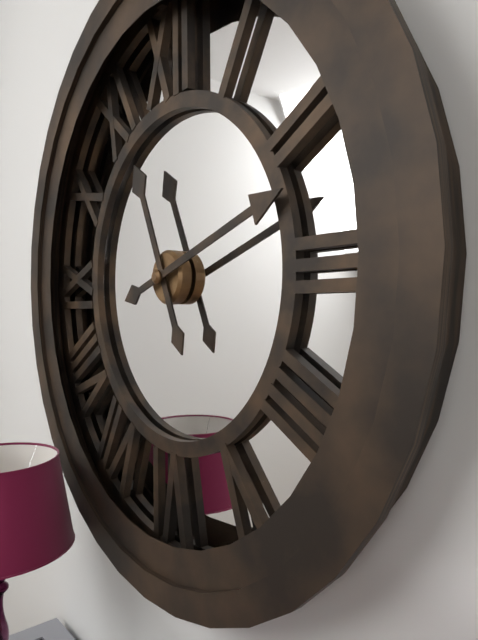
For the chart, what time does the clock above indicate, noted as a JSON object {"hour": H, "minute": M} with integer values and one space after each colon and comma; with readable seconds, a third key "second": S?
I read {"hour": 11, "minute": 12}
